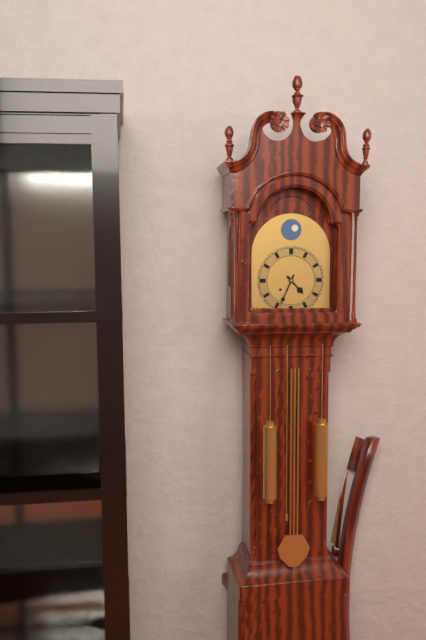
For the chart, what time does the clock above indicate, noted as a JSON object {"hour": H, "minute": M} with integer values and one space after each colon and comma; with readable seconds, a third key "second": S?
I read {"hour": 4, "minute": 34}
